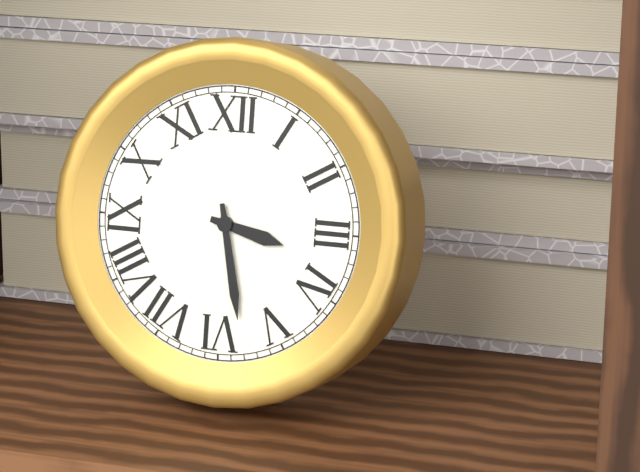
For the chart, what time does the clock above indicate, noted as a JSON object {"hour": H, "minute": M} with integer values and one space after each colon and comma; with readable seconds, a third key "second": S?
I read {"hour": 3, "minute": 28}
